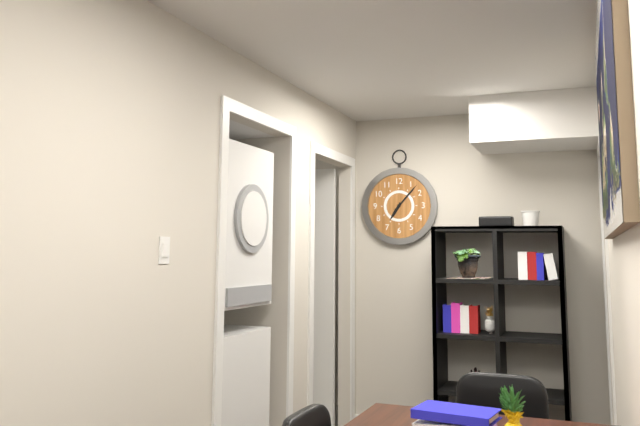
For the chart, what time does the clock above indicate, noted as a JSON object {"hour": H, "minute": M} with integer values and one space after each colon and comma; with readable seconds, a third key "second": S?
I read {"hour": 7, "minute": 7}
